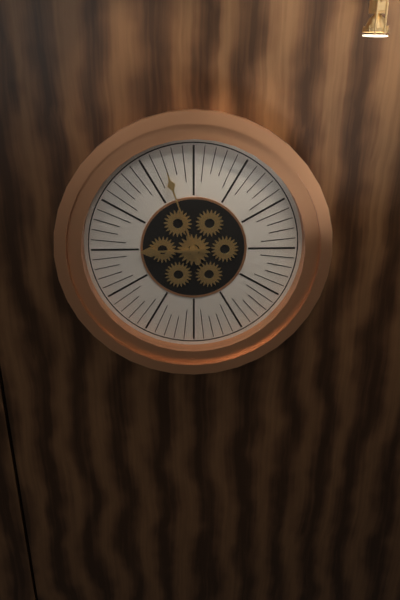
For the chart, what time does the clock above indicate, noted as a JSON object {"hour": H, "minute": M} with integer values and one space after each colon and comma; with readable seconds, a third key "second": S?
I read {"hour": 8, "minute": 57}
